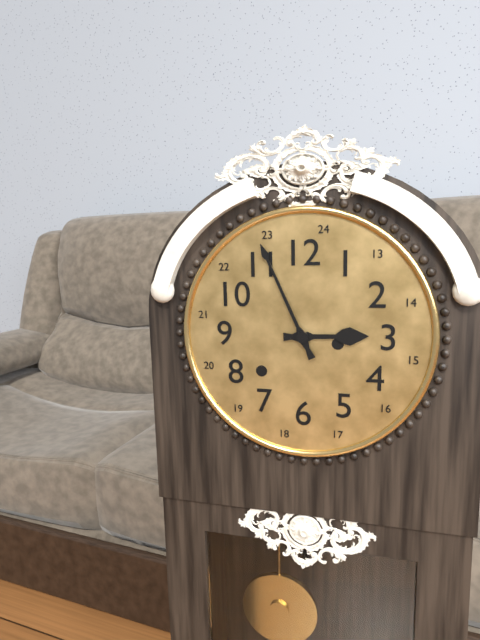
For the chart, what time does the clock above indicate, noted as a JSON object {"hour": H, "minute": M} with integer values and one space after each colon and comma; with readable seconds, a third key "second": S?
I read {"hour": 2, "minute": 56}
